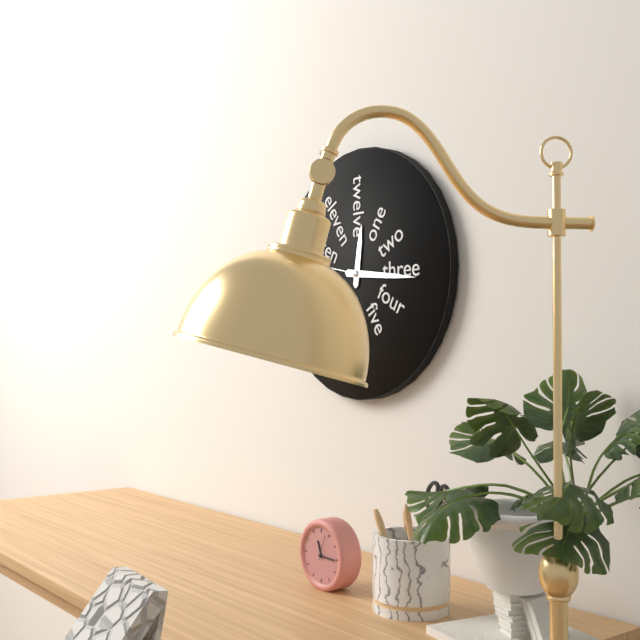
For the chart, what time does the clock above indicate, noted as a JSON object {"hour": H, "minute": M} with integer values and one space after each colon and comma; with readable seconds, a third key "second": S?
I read {"hour": 12, "minute": 16}
